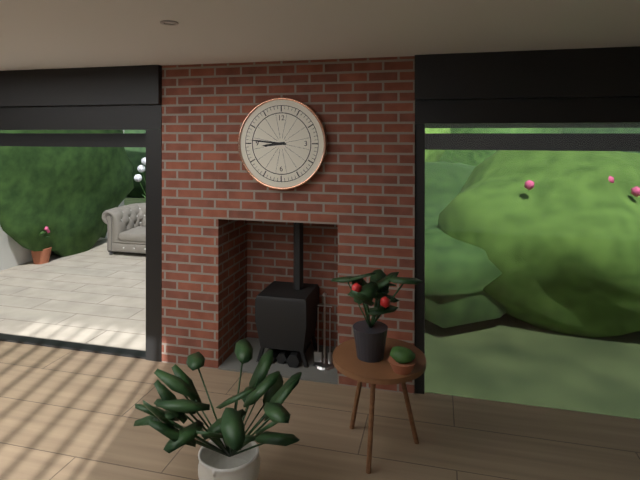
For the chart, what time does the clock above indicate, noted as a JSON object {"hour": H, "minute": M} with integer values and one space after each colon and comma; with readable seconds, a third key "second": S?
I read {"hour": 8, "minute": 46}
